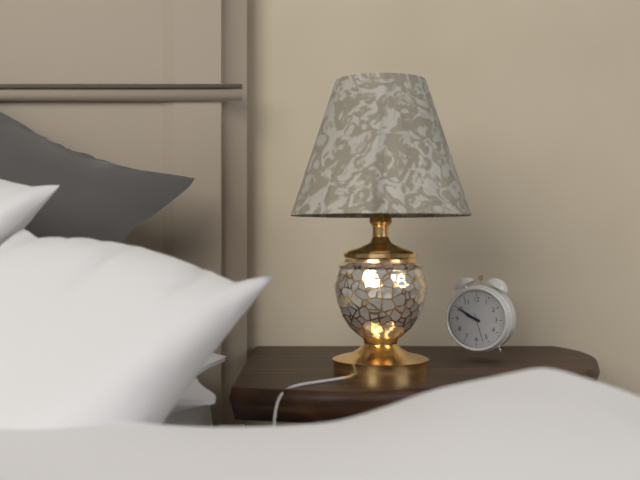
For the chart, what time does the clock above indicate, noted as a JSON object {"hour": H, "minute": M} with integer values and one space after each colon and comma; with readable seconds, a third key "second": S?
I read {"hour": 9, "minute": 50}
